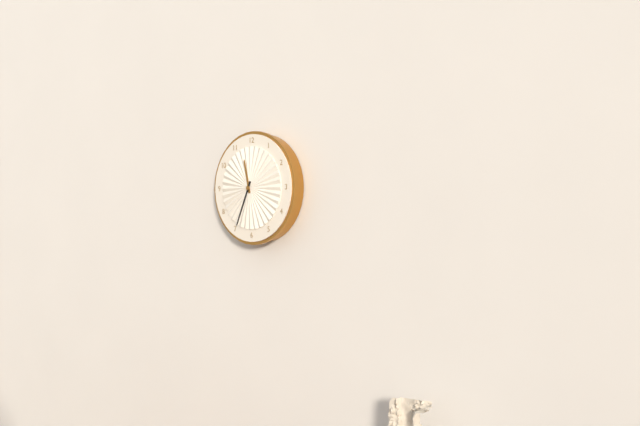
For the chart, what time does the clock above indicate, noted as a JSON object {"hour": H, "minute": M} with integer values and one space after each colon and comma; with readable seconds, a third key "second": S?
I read {"hour": 11, "minute": 34}
